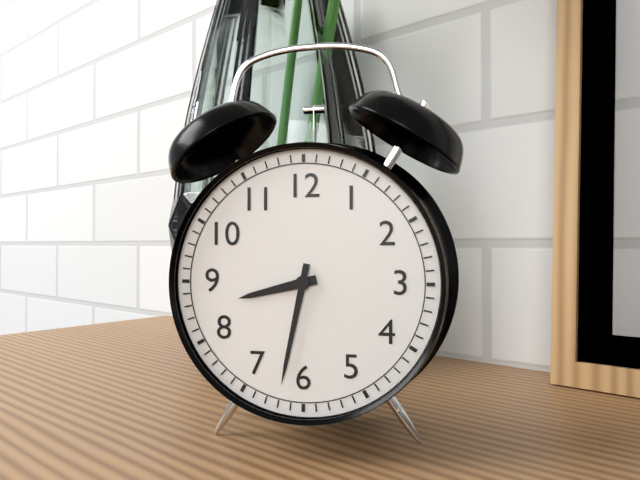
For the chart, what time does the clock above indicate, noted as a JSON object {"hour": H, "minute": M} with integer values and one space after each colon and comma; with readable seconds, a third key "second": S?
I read {"hour": 8, "minute": 32}
